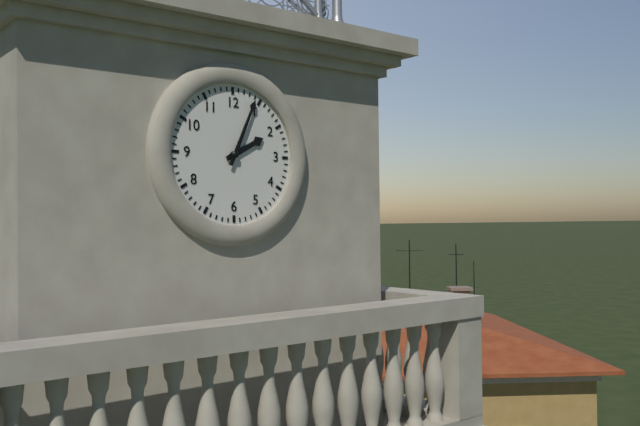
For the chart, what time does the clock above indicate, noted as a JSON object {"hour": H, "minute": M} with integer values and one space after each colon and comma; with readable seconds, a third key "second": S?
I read {"hour": 2, "minute": 4}
